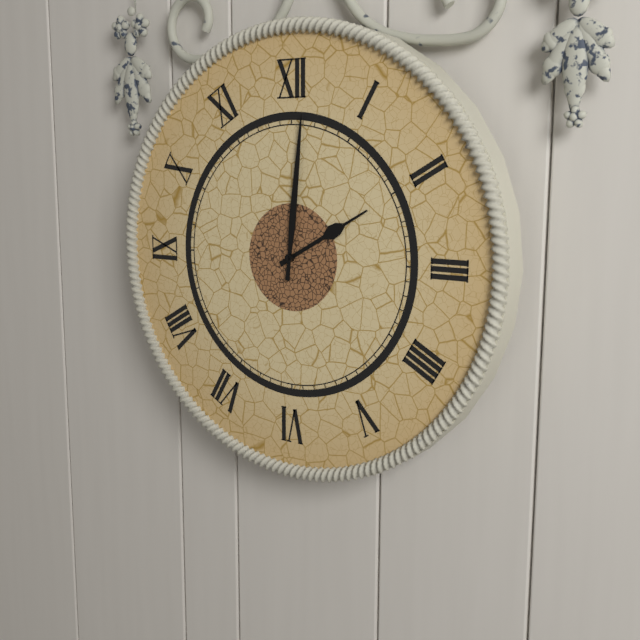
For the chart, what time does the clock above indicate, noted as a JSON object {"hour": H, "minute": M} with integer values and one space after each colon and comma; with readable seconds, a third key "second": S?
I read {"hour": 2, "minute": 1}
